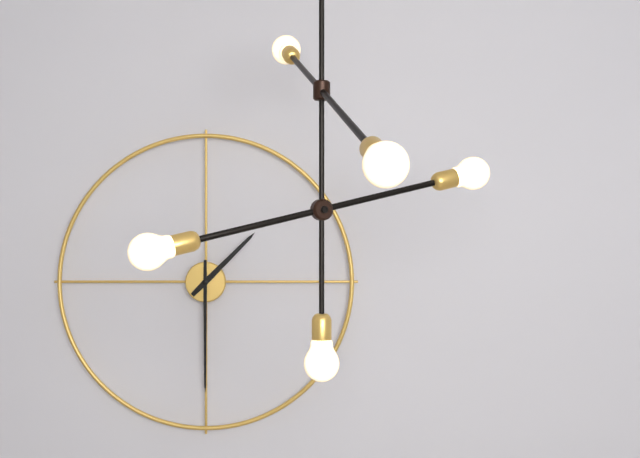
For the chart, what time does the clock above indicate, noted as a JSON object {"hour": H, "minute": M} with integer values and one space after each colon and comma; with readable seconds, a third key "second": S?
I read {"hour": 1, "minute": 30}
